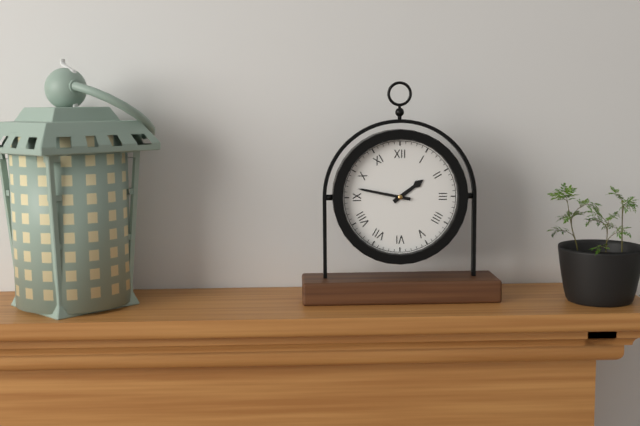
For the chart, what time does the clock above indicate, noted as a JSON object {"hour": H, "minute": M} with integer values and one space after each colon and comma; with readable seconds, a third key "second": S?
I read {"hour": 1, "minute": 47}
